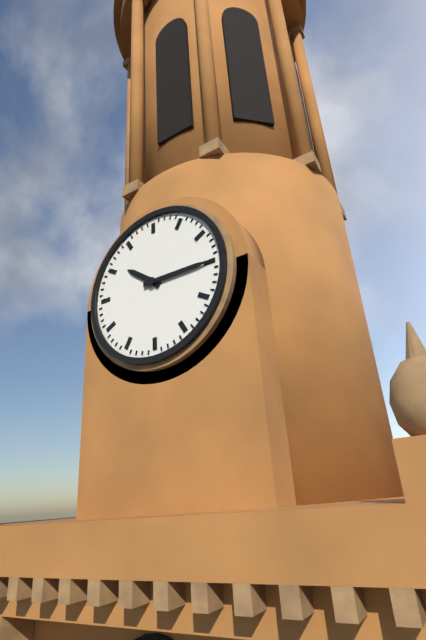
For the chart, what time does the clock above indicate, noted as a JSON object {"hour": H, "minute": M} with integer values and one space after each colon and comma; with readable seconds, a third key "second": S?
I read {"hour": 10, "minute": 15}
